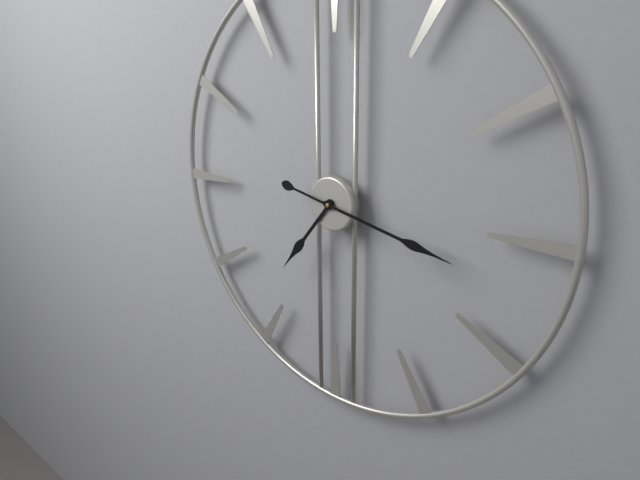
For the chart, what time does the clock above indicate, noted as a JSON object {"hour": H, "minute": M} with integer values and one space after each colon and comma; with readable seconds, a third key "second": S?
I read {"hour": 7, "minute": 17}
